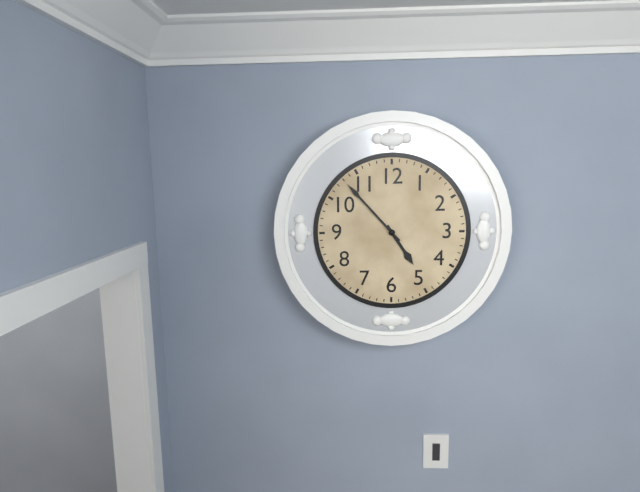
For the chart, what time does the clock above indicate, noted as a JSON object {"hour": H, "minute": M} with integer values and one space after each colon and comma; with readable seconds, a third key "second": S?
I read {"hour": 4, "minute": 53}
